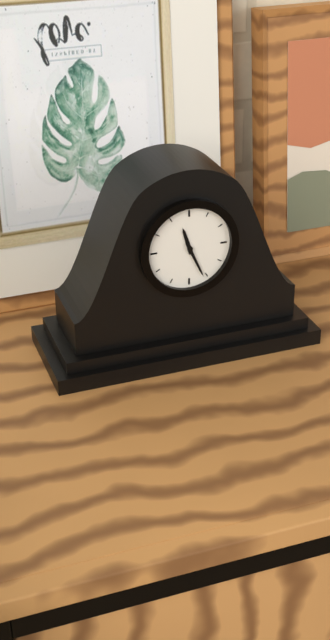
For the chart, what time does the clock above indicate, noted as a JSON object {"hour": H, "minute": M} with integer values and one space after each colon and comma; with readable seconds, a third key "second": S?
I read {"hour": 11, "minute": 26}
